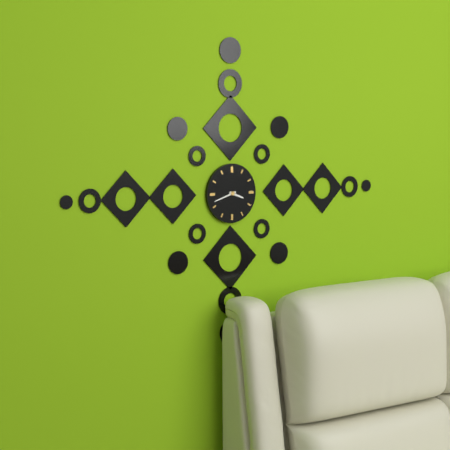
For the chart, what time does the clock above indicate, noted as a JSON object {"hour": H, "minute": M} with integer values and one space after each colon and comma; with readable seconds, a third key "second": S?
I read {"hour": 3, "minute": 42}
